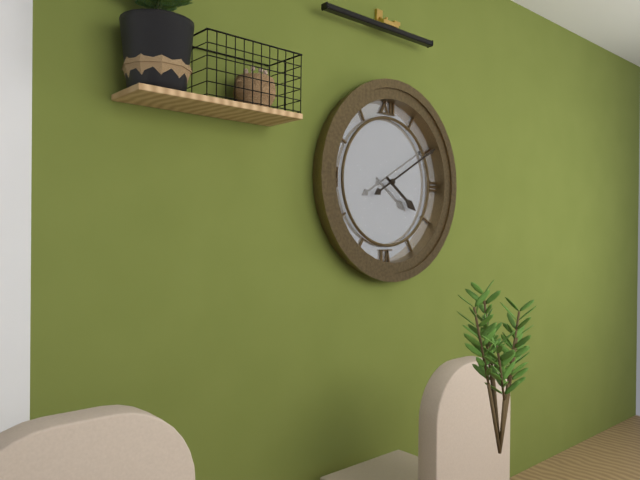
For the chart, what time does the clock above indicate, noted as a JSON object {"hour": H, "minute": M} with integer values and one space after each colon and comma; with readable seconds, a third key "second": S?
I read {"hour": 4, "minute": 10}
